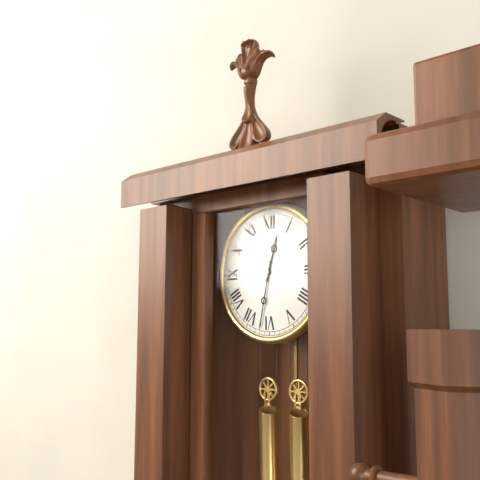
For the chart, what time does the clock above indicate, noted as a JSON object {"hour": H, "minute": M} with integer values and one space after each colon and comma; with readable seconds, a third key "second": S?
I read {"hour": 12, "minute": 32}
